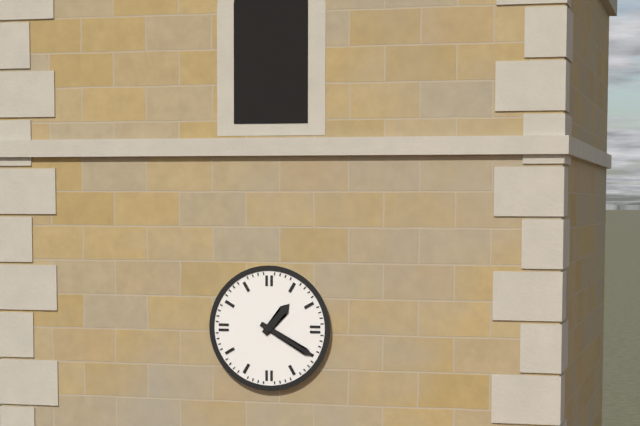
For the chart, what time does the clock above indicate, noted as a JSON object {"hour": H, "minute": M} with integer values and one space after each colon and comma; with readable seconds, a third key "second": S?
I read {"hour": 1, "minute": 20}
